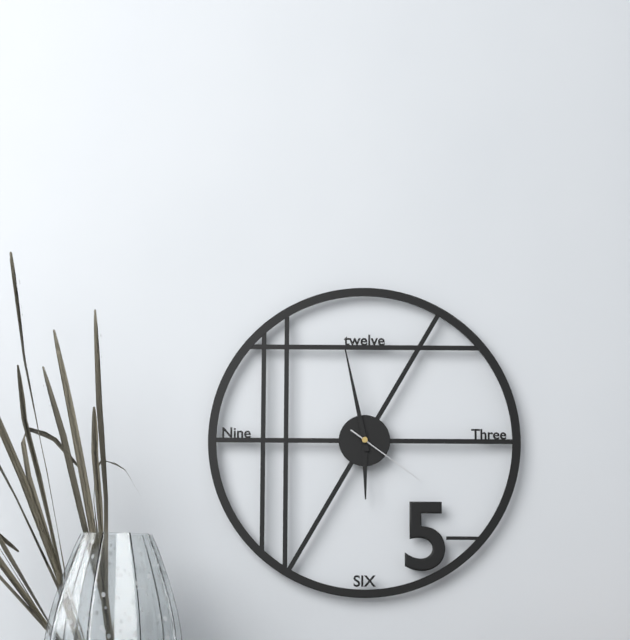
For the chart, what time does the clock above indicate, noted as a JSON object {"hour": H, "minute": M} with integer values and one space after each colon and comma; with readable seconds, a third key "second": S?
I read {"hour": 5, "minute": 58, "second": 21}
